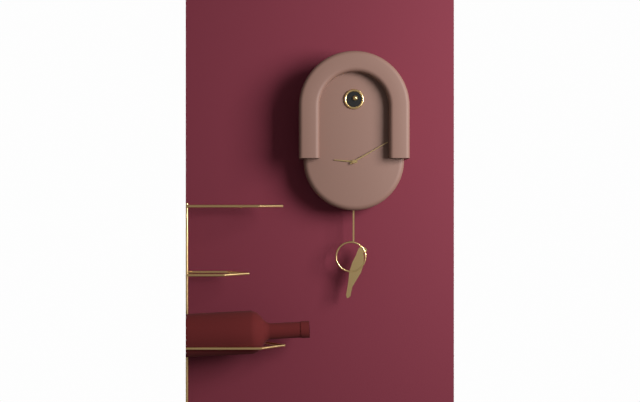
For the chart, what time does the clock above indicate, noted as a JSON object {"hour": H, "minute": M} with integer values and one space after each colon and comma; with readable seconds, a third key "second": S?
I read {"hour": 9, "minute": 10}
